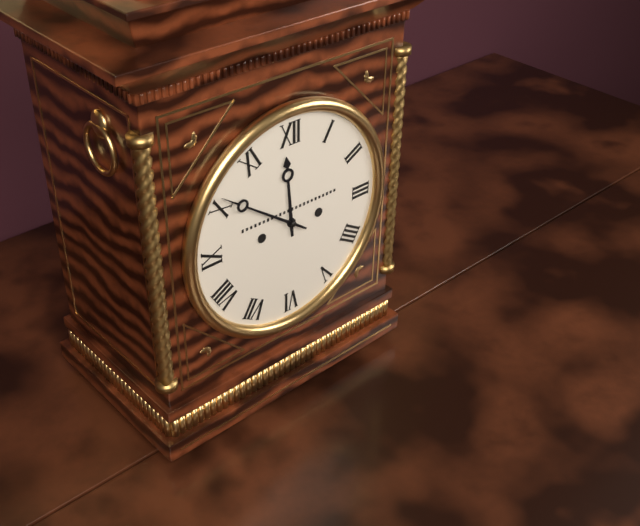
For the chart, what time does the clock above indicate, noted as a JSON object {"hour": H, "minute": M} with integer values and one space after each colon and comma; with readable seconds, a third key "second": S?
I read {"hour": 11, "minute": 51}
